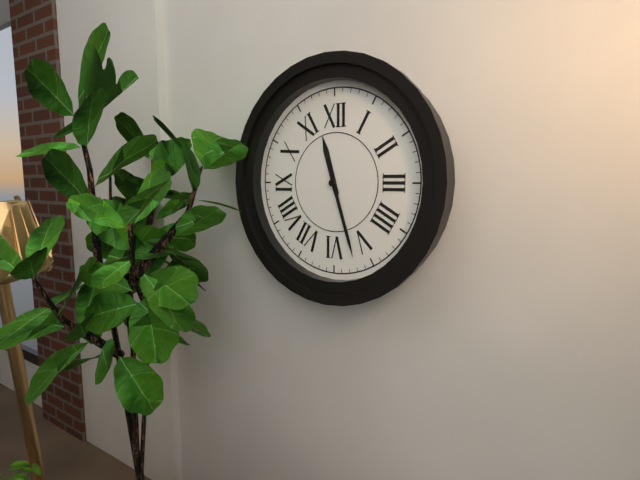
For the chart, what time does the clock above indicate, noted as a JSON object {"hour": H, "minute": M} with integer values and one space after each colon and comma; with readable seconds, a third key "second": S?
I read {"hour": 11, "minute": 27}
